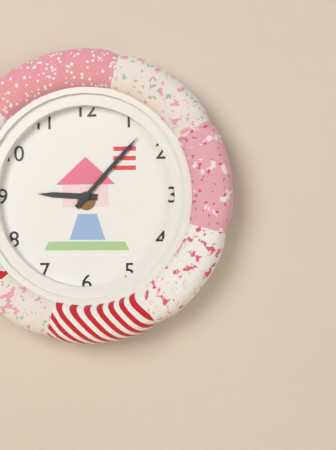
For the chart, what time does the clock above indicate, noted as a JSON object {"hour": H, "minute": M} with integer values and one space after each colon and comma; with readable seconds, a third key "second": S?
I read {"hour": 9, "minute": 7}
